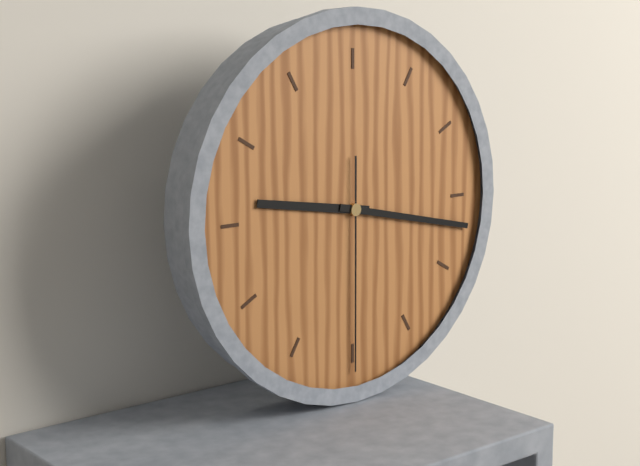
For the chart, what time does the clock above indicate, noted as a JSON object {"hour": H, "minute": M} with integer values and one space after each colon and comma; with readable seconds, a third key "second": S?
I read {"hour": 9, "minute": 17, "second": 30}
